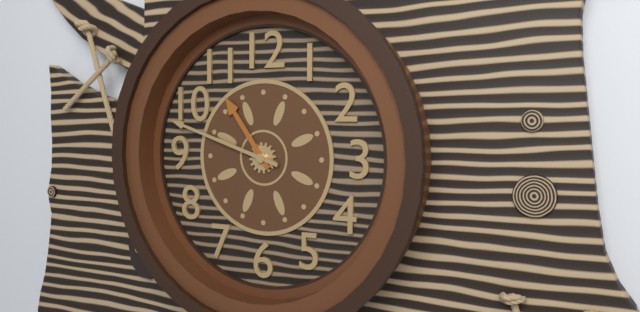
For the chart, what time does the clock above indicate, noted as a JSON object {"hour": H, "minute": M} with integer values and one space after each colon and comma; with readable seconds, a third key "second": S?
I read {"hour": 10, "minute": 48}
